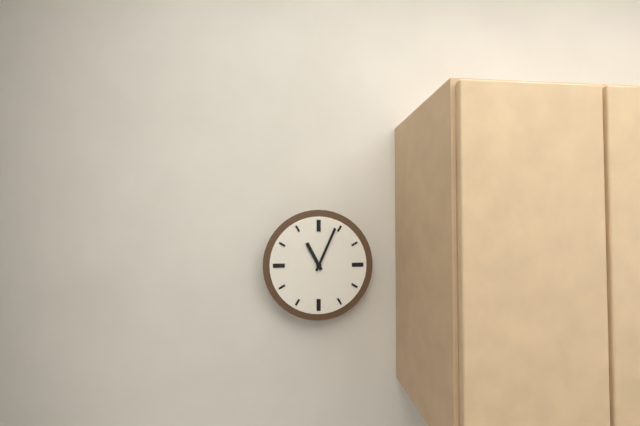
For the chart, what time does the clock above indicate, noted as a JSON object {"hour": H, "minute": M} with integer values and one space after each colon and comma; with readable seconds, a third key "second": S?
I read {"hour": 11, "minute": 4}
